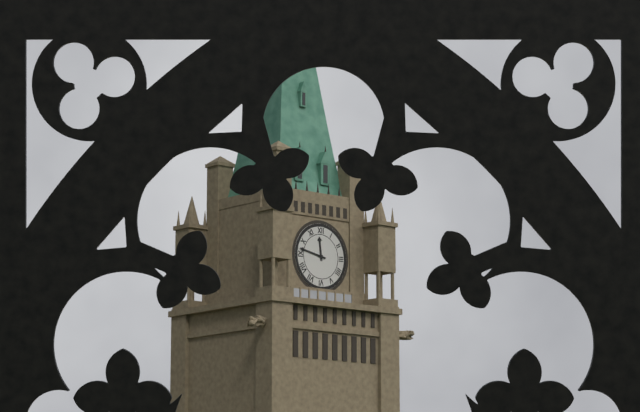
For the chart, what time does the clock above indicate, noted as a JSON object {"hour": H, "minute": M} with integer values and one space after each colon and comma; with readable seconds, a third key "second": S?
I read {"hour": 11, "minute": 47}
